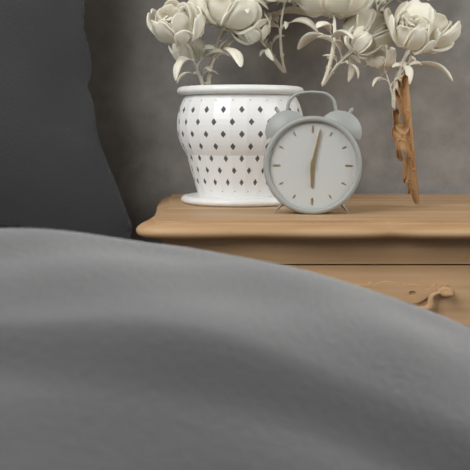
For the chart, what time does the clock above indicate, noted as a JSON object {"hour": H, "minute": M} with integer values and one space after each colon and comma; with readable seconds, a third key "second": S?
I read {"hour": 6, "minute": 2}
